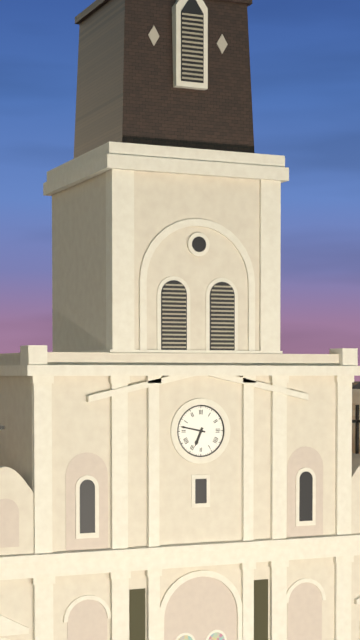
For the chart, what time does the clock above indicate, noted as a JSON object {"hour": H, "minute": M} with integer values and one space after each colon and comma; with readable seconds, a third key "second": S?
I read {"hour": 6, "minute": 47}
